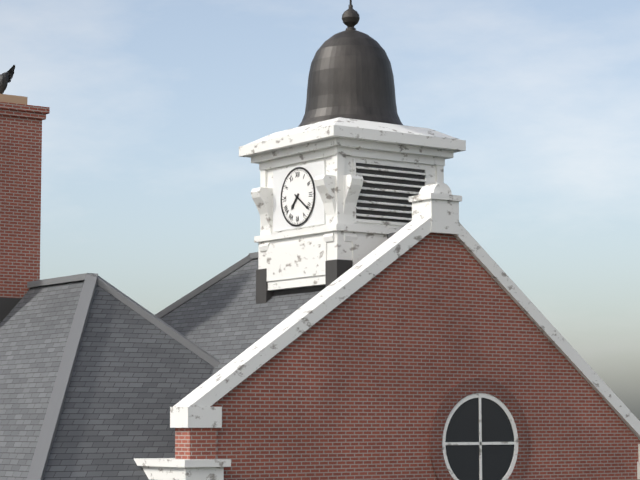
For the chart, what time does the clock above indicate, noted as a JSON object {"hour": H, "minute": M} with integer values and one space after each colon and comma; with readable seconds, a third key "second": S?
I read {"hour": 7, "minute": 21}
